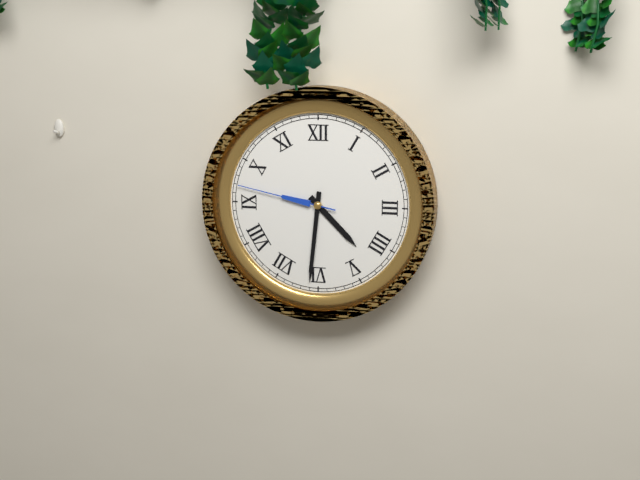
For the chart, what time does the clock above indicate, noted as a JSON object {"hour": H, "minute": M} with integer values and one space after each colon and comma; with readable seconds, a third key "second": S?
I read {"hour": 4, "minute": 31, "second": 47}
